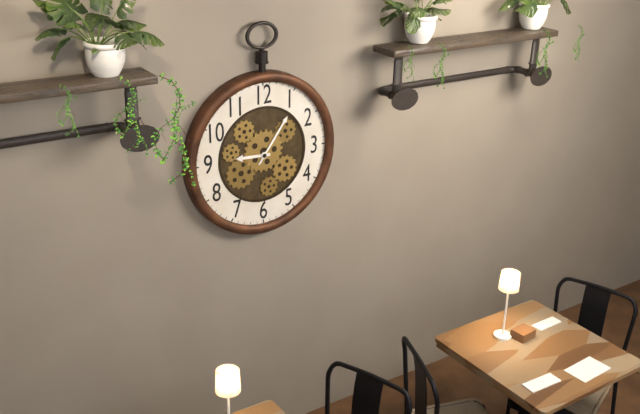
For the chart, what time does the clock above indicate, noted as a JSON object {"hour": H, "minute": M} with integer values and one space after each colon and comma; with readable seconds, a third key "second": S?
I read {"hour": 9, "minute": 6}
